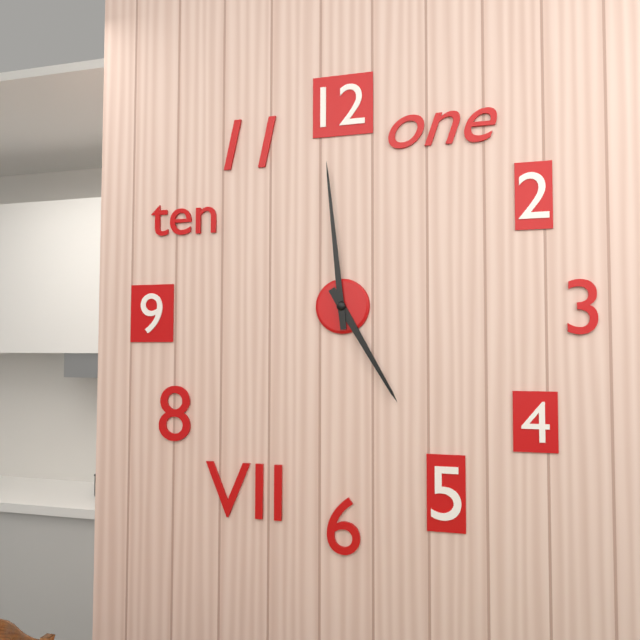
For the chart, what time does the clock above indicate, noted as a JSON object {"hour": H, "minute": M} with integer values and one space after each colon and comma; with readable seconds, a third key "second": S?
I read {"hour": 4, "minute": 59}
